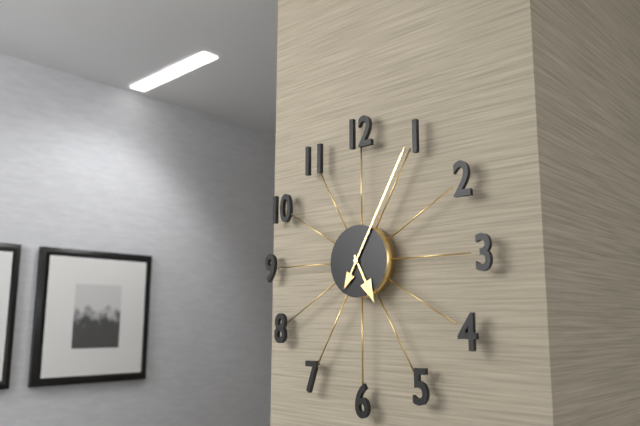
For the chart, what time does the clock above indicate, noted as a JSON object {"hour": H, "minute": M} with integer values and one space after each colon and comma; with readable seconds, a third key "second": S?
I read {"hour": 5, "minute": 5}
